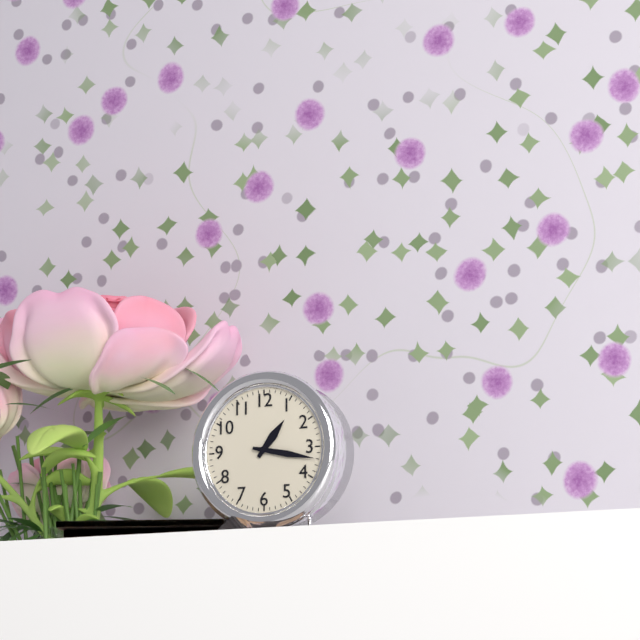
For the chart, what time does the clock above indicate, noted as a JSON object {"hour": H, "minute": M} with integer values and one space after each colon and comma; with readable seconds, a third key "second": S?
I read {"hour": 1, "minute": 17}
